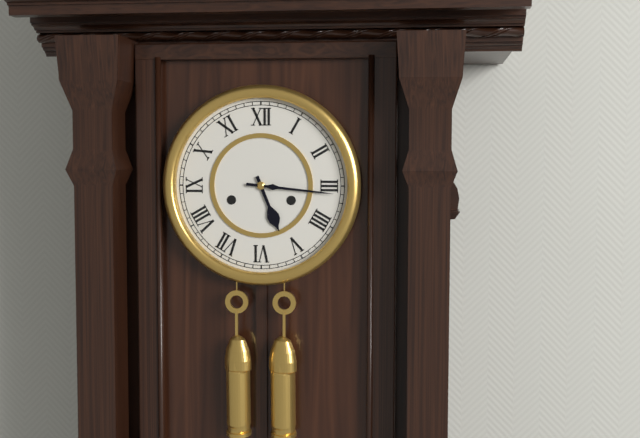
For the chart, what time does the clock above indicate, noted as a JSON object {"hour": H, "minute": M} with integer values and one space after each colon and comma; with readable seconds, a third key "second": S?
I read {"hour": 5, "minute": 16}
